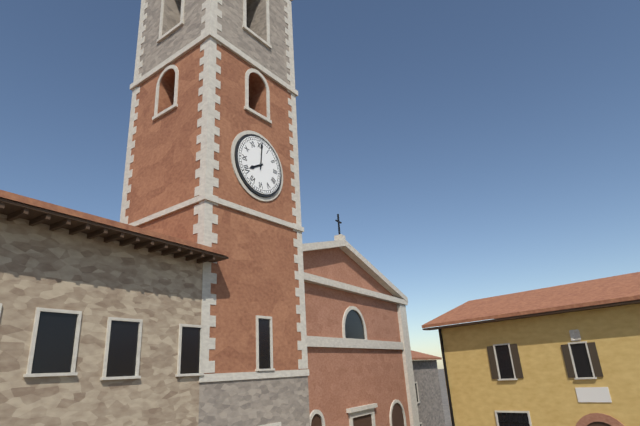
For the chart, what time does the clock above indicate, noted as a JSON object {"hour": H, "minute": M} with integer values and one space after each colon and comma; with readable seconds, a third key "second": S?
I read {"hour": 8, "minute": 1}
